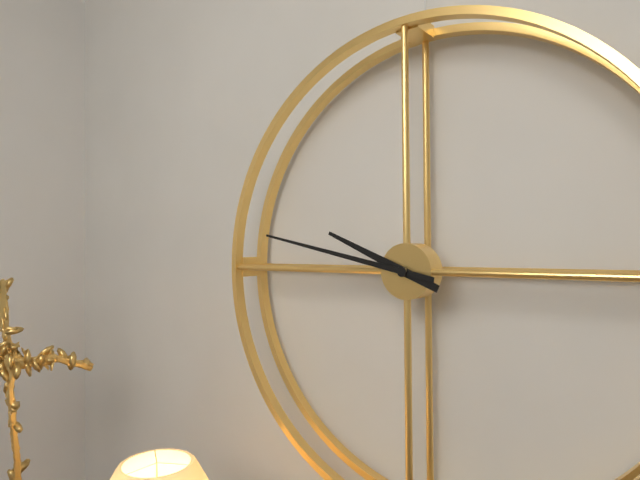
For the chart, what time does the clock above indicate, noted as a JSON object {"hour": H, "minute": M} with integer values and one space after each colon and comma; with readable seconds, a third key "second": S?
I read {"hour": 9, "minute": 47}
